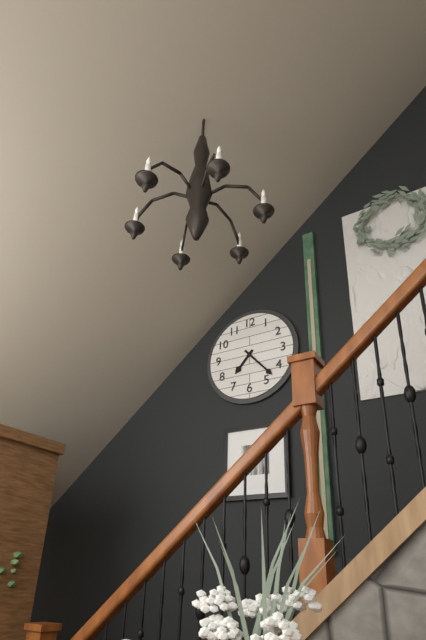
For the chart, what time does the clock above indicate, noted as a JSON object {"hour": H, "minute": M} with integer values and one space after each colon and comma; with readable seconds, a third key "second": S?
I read {"hour": 7, "minute": 23}
